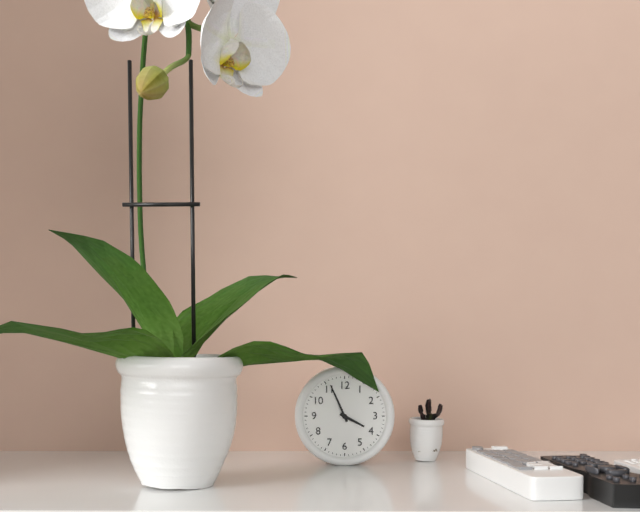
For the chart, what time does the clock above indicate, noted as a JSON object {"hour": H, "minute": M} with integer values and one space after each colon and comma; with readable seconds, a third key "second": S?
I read {"hour": 3, "minute": 56}
